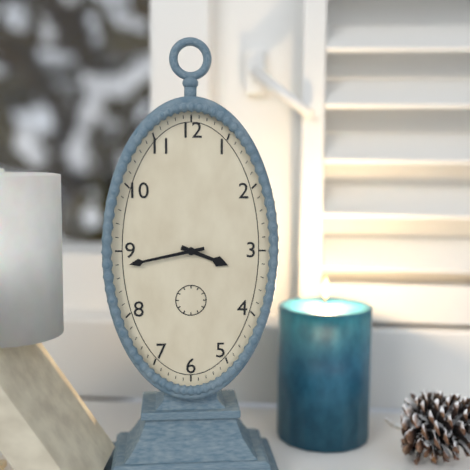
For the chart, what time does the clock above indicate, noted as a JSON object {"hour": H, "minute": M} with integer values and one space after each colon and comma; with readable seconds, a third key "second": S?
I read {"hour": 3, "minute": 43}
